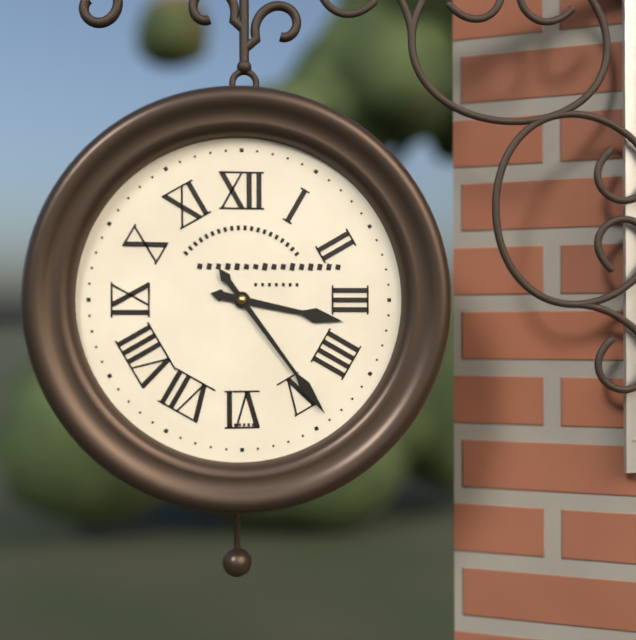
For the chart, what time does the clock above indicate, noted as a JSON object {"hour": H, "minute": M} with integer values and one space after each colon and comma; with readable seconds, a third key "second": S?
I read {"hour": 3, "minute": 24}
